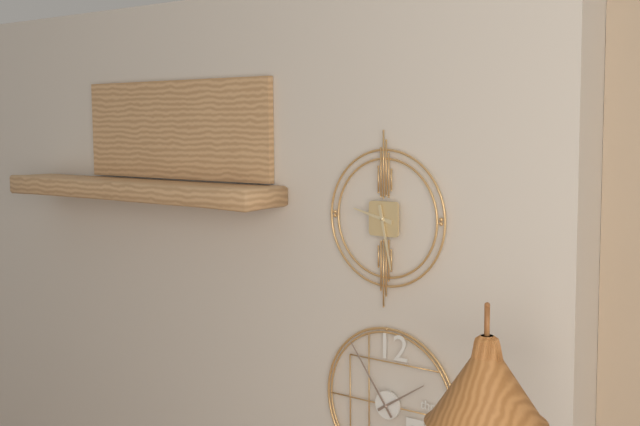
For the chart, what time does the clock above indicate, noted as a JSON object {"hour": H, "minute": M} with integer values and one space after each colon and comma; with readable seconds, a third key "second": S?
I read {"hour": 9, "minute": 28}
